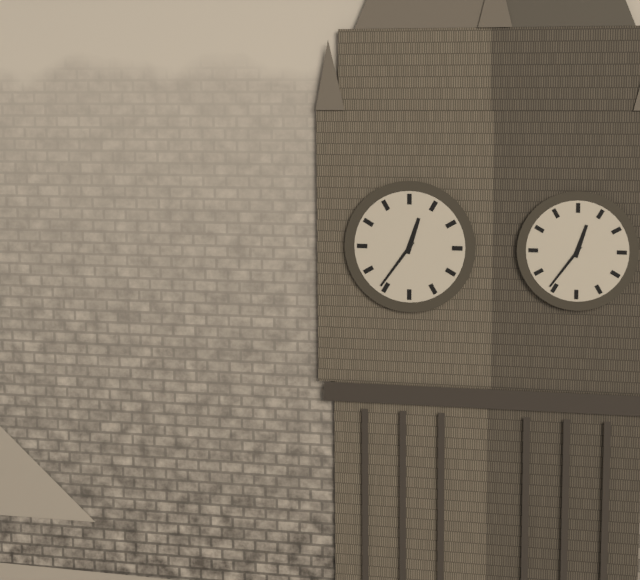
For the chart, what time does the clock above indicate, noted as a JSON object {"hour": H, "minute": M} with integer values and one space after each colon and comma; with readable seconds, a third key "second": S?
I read {"hour": 12, "minute": 36}
